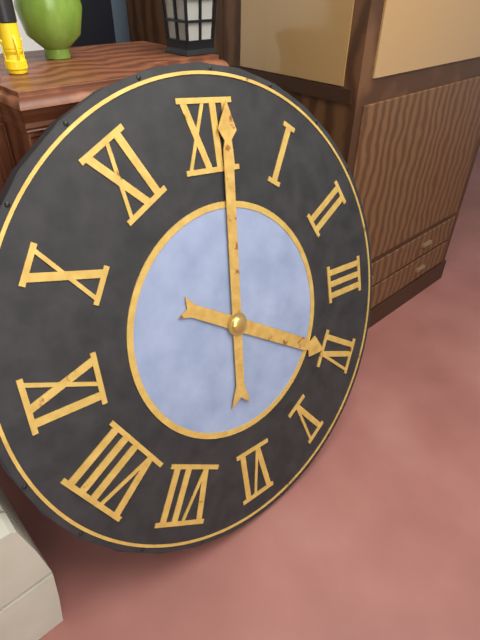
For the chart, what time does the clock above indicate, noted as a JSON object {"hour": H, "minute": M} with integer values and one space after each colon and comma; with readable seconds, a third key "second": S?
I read {"hour": 4, "minute": 1}
